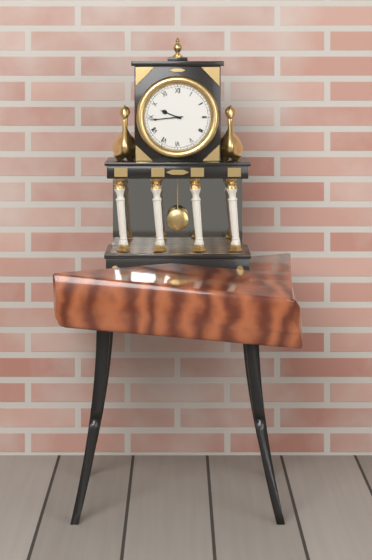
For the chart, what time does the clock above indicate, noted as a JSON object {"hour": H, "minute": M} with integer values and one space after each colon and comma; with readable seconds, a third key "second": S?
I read {"hour": 9, "minute": 44}
